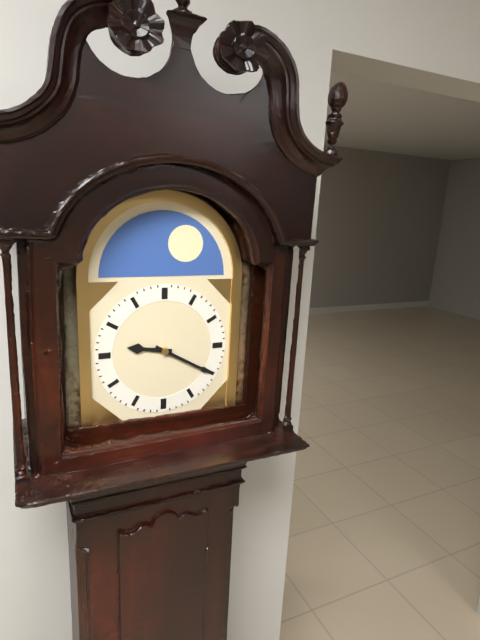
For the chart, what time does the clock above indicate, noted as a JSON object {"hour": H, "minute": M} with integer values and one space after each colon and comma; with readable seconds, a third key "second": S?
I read {"hour": 9, "minute": 20}
